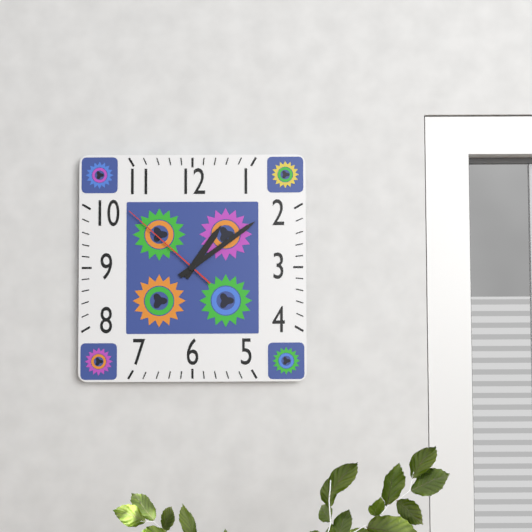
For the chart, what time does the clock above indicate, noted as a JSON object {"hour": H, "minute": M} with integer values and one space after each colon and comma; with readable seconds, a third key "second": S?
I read {"hour": 1, "minute": 9, "second": 52}
